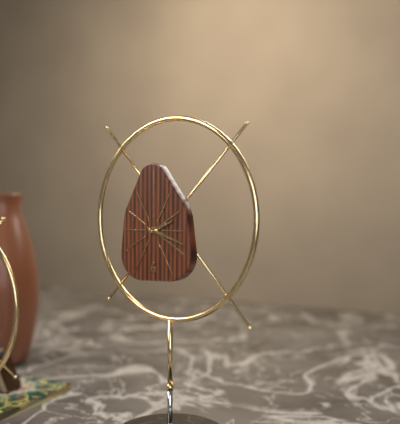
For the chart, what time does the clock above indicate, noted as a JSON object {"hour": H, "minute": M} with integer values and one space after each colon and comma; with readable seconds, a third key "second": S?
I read {"hour": 2, "minute": 18}
